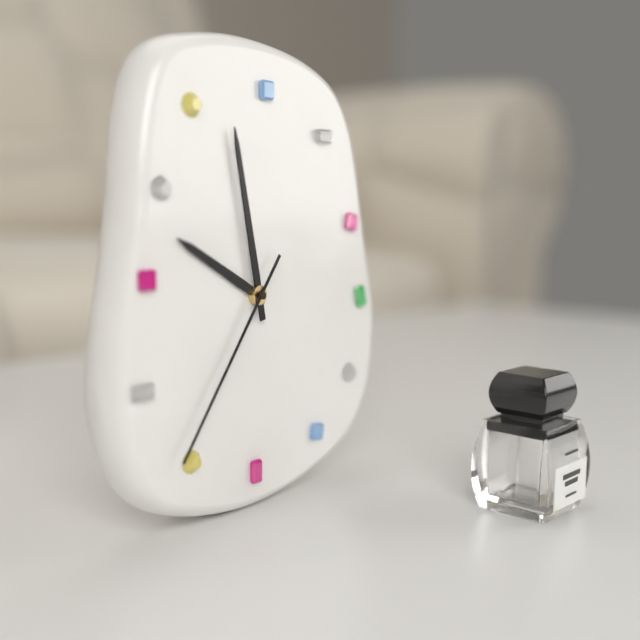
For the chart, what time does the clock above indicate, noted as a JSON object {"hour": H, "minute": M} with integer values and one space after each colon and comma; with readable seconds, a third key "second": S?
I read {"hour": 9, "minute": 58, "second": 36}
